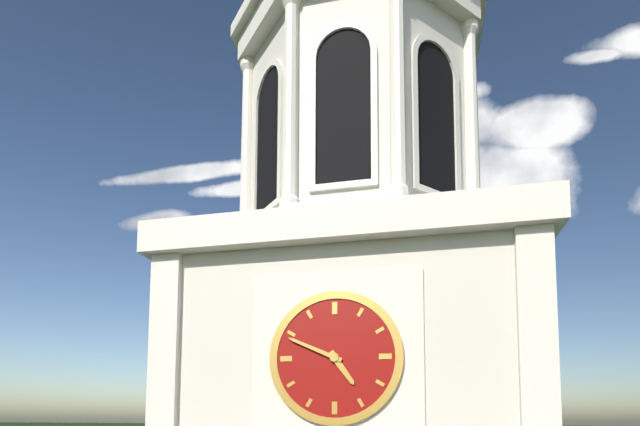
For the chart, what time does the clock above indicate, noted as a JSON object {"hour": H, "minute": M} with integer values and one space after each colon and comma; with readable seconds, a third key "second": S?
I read {"hour": 4, "minute": 49}
